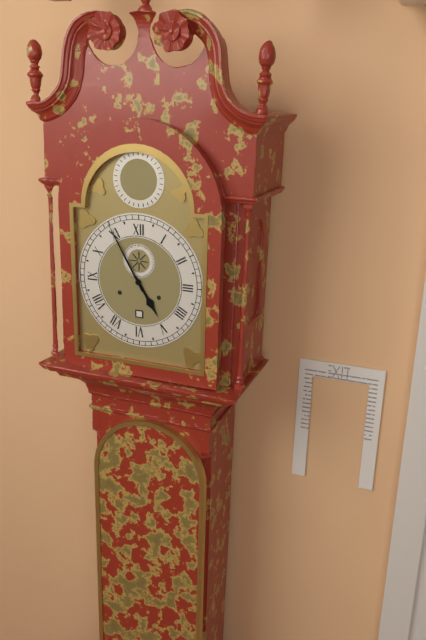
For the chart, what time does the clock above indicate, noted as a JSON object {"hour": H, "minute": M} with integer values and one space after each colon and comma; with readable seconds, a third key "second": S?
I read {"hour": 4, "minute": 55}
